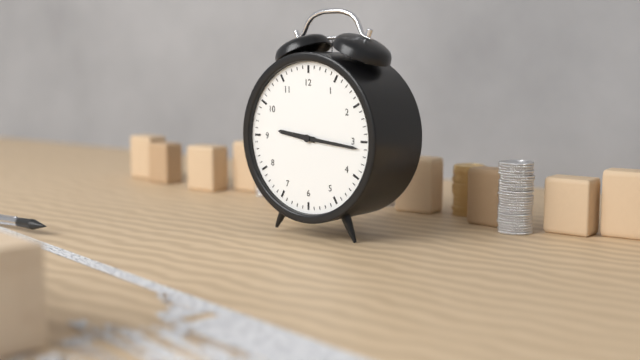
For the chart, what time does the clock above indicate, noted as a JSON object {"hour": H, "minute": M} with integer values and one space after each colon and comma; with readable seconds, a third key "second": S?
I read {"hour": 9, "minute": 16}
